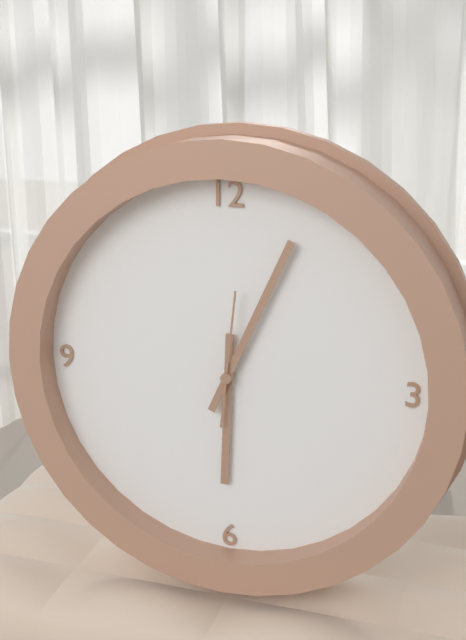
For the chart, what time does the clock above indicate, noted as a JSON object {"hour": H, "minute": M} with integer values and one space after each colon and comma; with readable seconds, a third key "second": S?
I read {"hour": 6, "minute": 4, "second": 1}
